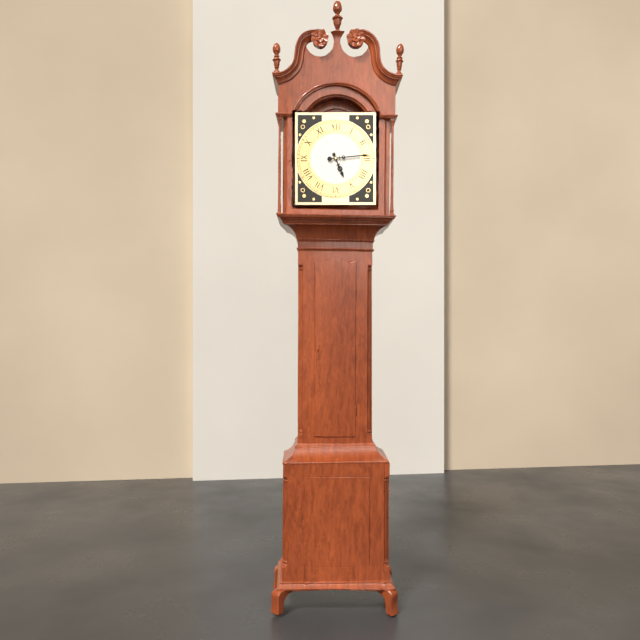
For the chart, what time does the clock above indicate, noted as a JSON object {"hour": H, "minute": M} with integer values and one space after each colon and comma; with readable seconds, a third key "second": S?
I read {"hour": 5, "minute": 14}
